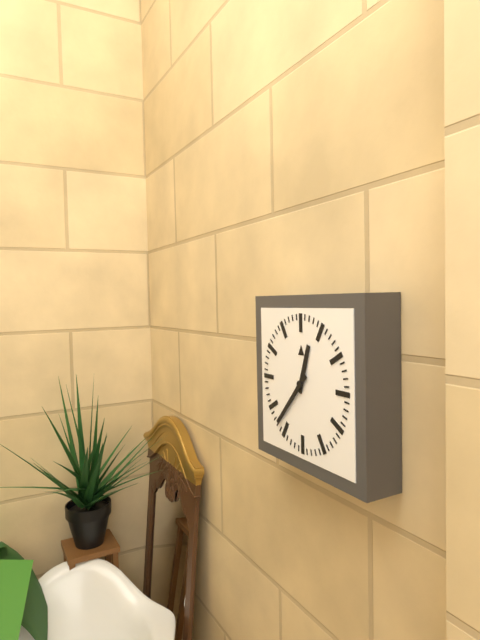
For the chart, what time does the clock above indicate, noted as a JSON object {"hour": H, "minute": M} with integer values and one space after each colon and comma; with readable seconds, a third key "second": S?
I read {"hour": 12, "minute": 37}
